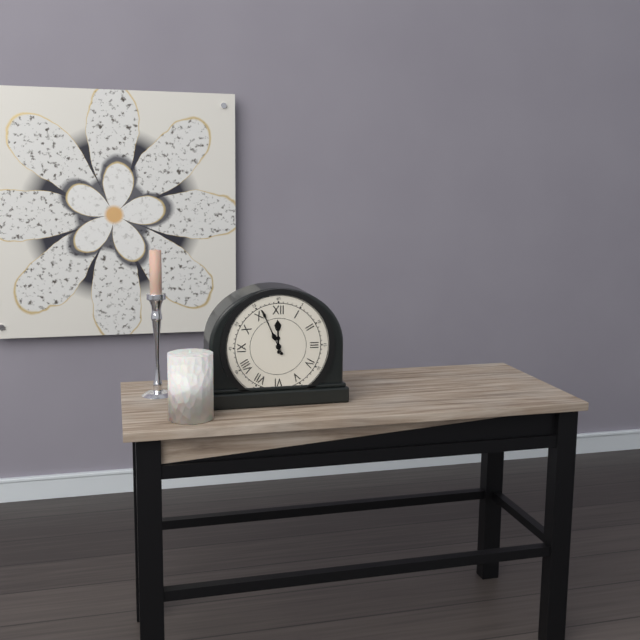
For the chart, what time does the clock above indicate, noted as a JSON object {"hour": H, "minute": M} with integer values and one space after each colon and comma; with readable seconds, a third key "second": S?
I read {"hour": 11, "minute": 56}
